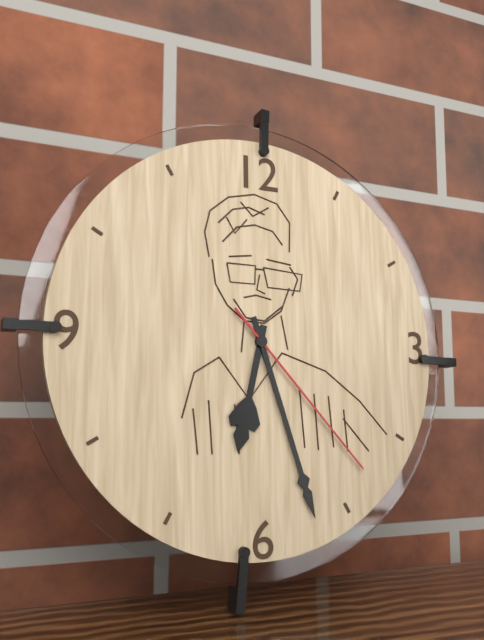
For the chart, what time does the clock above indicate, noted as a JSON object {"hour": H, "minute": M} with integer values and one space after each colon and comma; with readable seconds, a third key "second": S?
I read {"hour": 6, "minute": 27, "second": 23}
